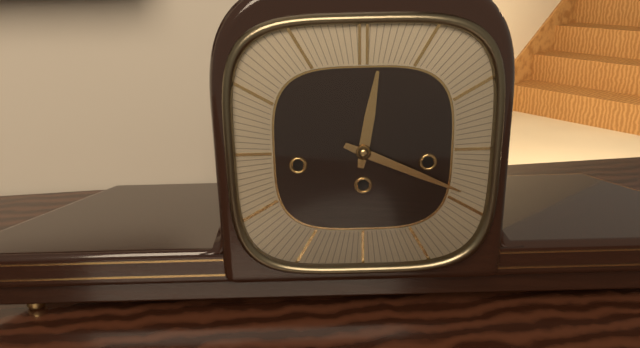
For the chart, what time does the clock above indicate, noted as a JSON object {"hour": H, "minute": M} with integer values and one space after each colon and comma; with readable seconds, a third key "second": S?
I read {"hour": 12, "minute": 19}
